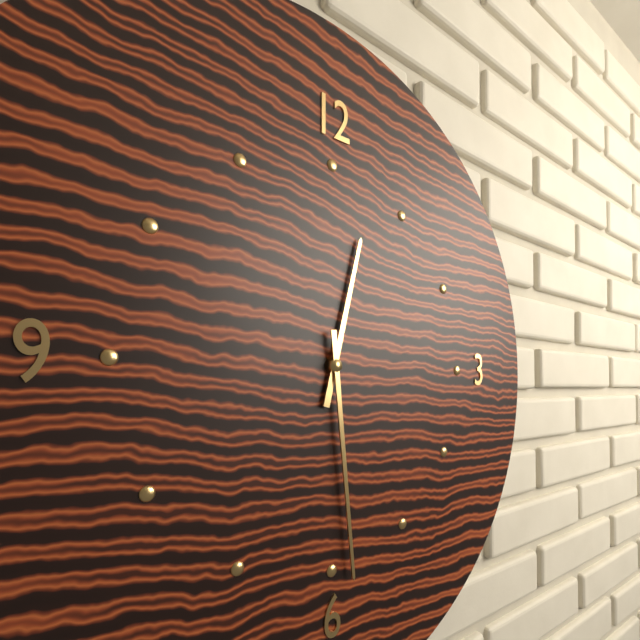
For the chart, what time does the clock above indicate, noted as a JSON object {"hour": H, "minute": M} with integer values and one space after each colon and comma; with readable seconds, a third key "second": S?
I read {"hour": 12, "minute": 29}
